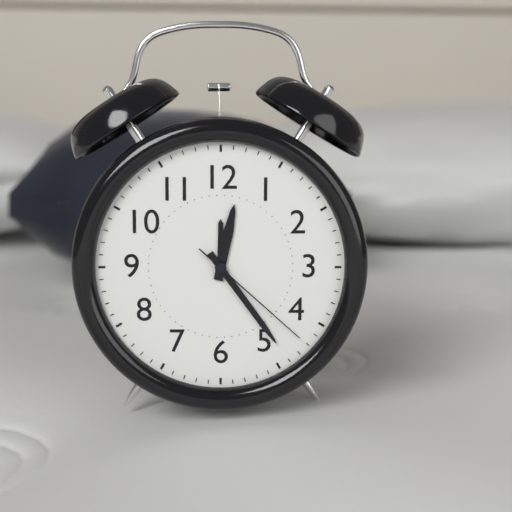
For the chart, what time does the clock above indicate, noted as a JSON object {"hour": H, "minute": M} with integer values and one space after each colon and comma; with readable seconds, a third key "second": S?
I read {"hour": 12, "minute": 24, "second": 22}
